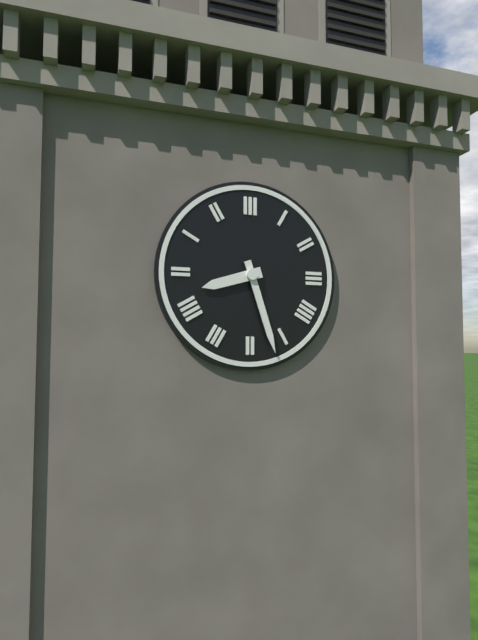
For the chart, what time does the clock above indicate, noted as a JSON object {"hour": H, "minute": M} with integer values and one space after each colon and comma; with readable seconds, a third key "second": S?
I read {"hour": 8, "minute": 27}
